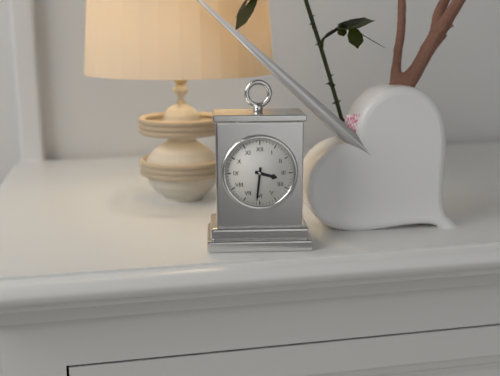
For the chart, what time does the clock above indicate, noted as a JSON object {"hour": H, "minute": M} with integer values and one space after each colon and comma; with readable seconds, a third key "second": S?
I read {"hour": 3, "minute": 31}
